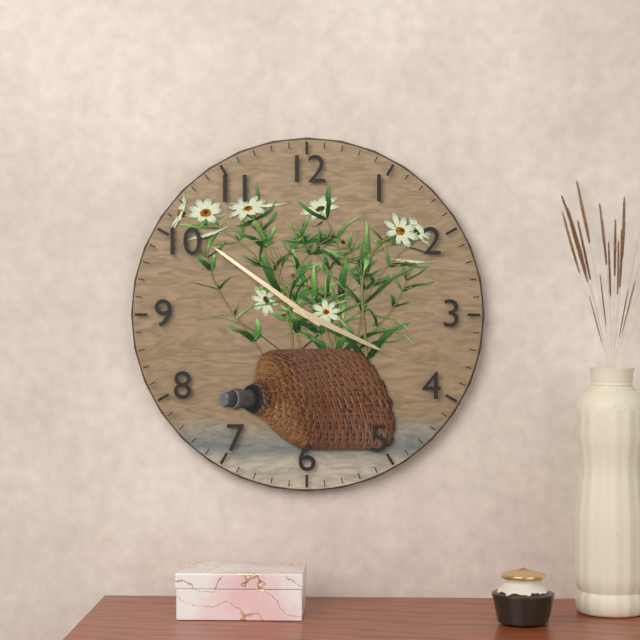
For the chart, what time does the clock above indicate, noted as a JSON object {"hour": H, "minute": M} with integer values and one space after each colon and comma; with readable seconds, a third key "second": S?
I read {"hour": 3, "minute": 51}
